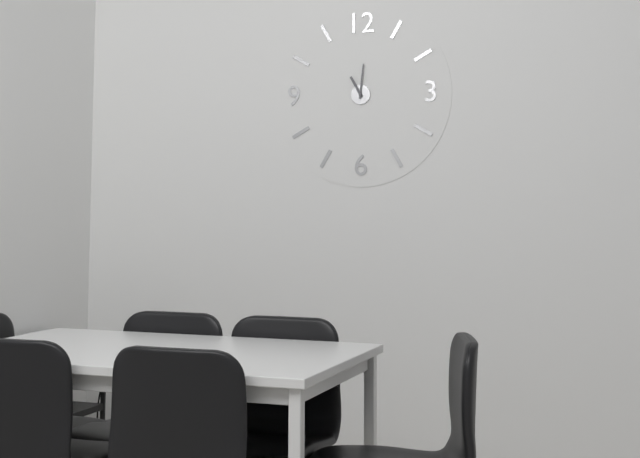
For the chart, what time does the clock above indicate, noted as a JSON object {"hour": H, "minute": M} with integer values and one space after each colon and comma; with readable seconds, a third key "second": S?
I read {"hour": 11, "minute": 1}
